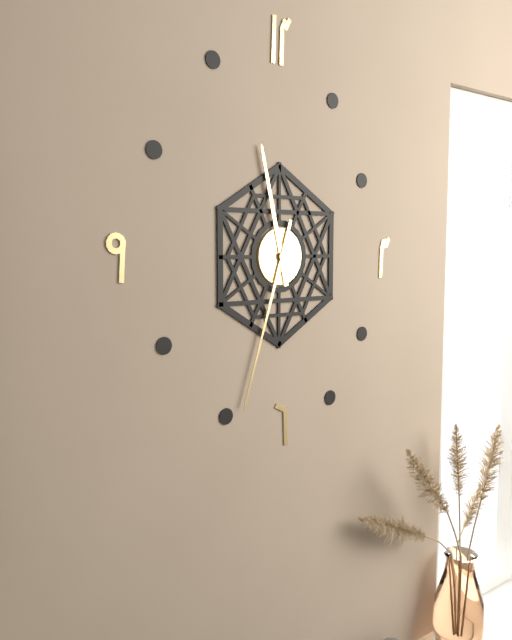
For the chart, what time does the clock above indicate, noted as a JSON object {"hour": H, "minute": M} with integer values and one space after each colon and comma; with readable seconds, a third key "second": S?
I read {"hour": 11, "minute": 33}
